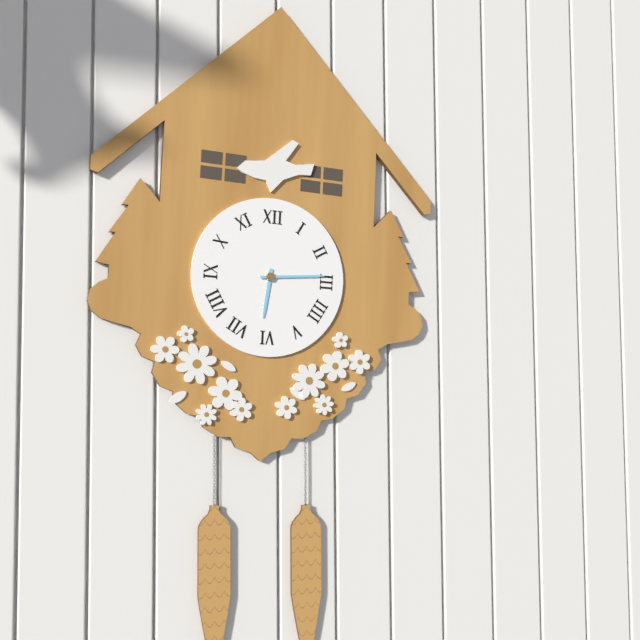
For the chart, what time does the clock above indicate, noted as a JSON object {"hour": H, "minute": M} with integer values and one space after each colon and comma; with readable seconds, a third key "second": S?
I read {"hour": 6, "minute": 14}
